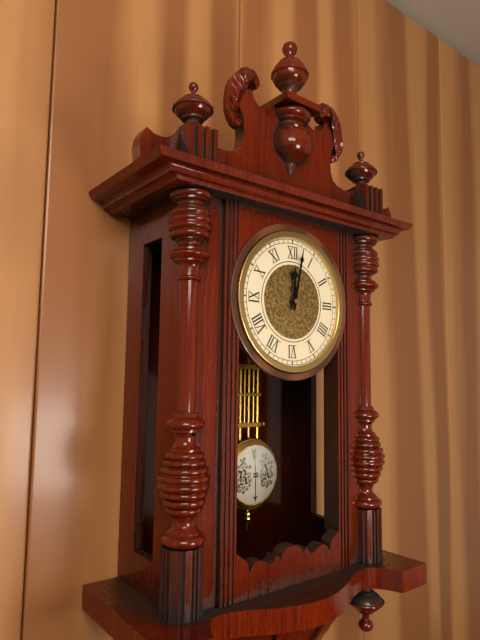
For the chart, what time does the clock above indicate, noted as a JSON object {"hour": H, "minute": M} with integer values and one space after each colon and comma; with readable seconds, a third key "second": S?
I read {"hour": 12, "minute": 2}
